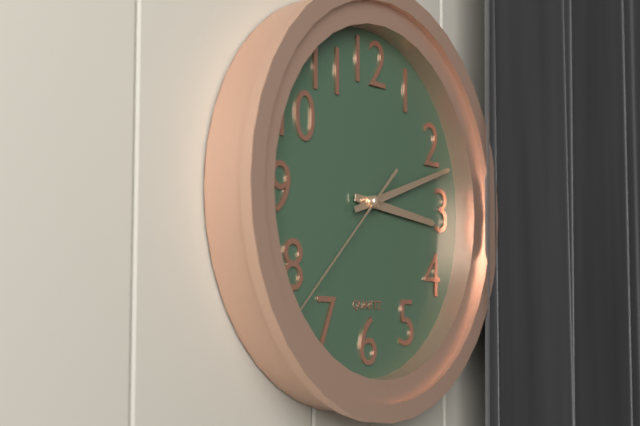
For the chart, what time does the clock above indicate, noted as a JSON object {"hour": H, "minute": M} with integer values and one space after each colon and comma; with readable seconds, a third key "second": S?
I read {"hour": 3, "minute": 12, "second": 38}
